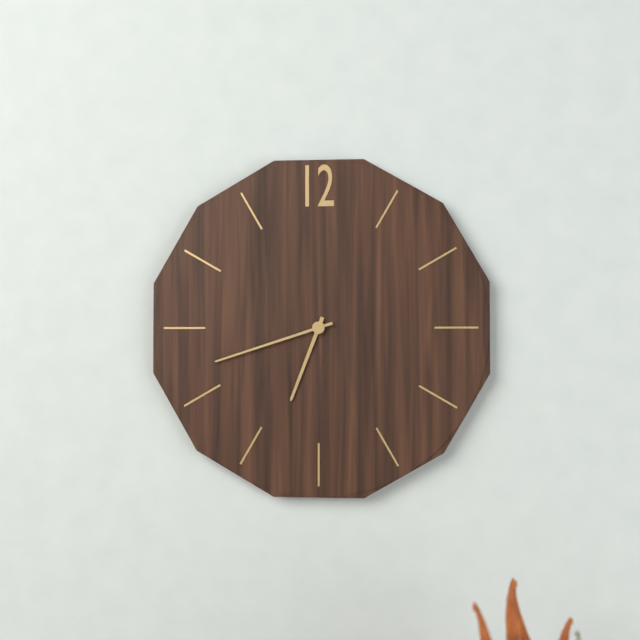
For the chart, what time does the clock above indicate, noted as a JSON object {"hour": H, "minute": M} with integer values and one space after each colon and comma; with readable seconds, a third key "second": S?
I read {"hour": 6, "minute": 42}
